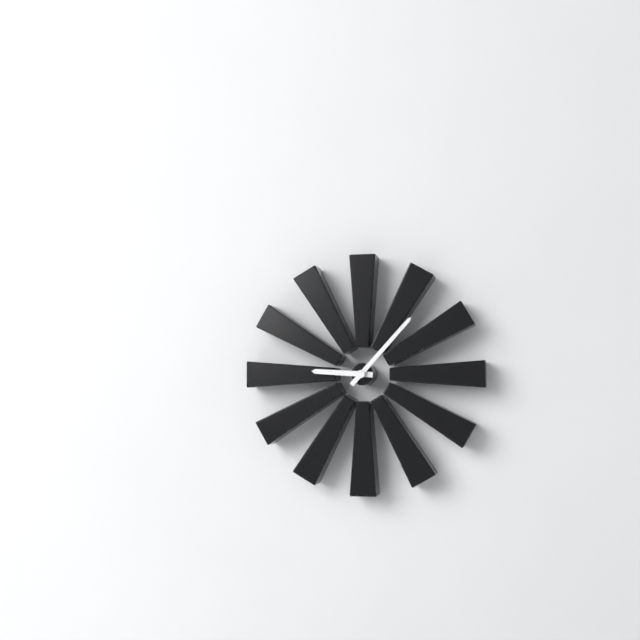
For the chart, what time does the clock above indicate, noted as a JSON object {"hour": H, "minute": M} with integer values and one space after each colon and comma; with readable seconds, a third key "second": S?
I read {"hour": 9, "minute": 7}
